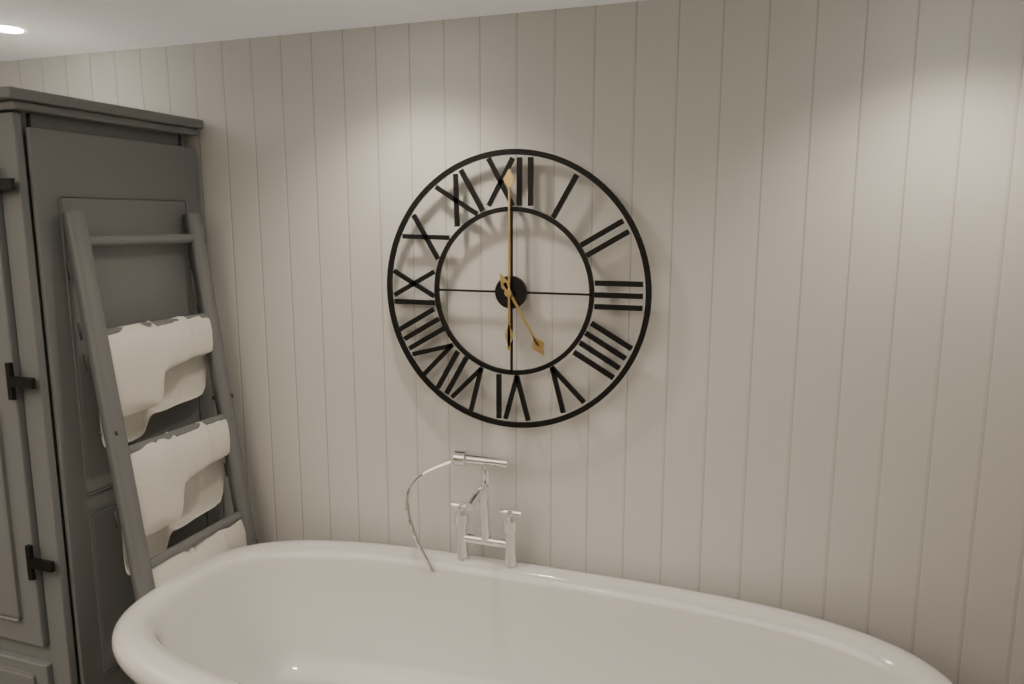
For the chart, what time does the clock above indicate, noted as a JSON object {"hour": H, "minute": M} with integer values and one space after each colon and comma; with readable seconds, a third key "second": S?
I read {"hour": 5, "minute": 0}
